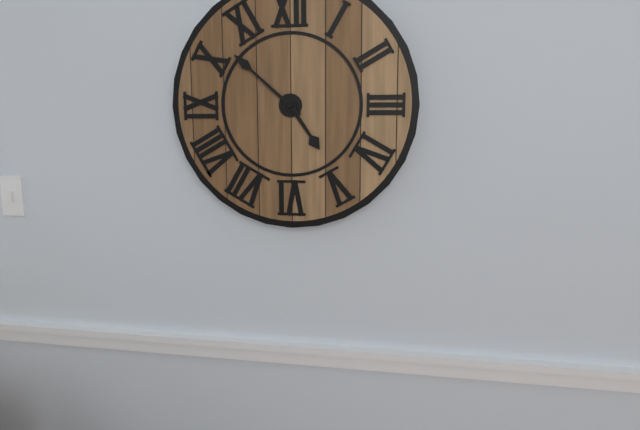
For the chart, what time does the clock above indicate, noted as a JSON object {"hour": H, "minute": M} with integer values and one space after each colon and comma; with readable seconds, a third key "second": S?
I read {"hour": 4, "minute": 52}
